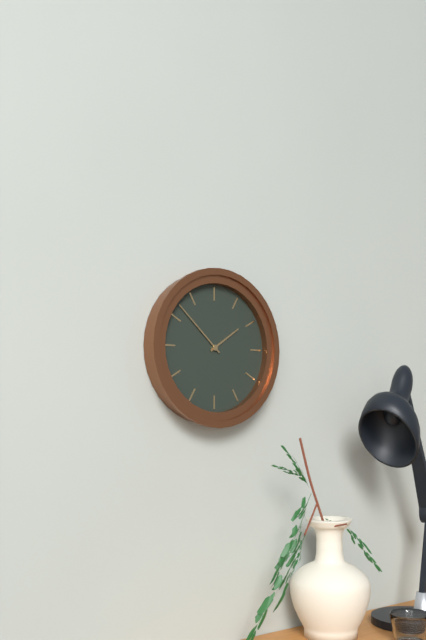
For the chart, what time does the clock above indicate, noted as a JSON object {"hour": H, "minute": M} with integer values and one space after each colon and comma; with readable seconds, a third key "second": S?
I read {"hour": 1, "minute": 52}
